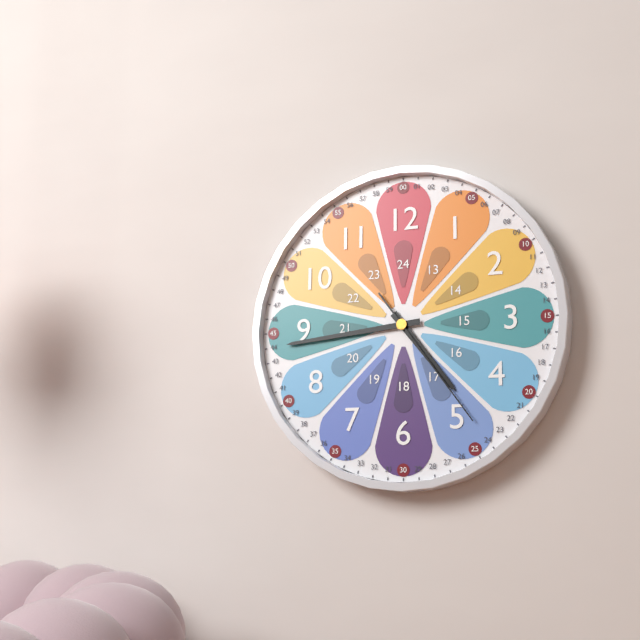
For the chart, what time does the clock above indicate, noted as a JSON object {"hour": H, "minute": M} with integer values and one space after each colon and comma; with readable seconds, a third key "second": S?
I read {"hour": 4, "minute": 44, "second": 24}
